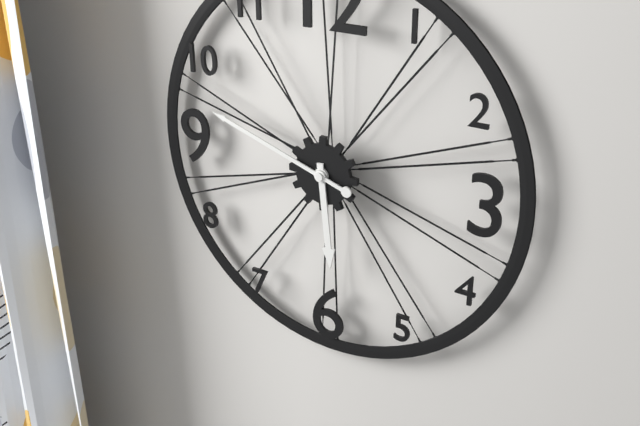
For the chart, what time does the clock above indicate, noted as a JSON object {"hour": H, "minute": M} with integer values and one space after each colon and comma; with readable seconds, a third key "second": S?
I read {"hour": 5, "minute": 48}
